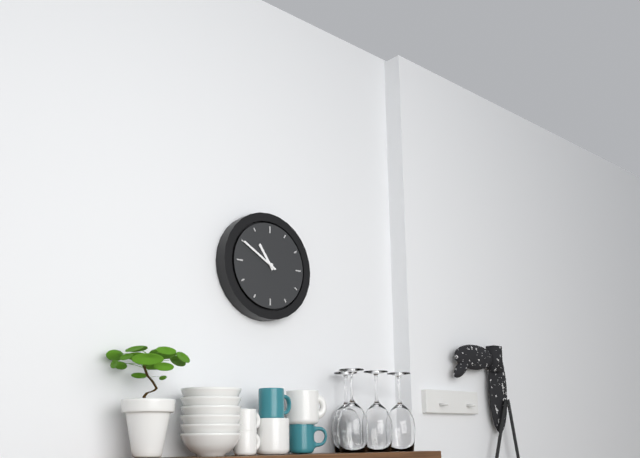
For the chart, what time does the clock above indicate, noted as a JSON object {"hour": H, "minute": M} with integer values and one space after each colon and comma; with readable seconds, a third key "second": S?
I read {"hour": 10, "minute": 50}
